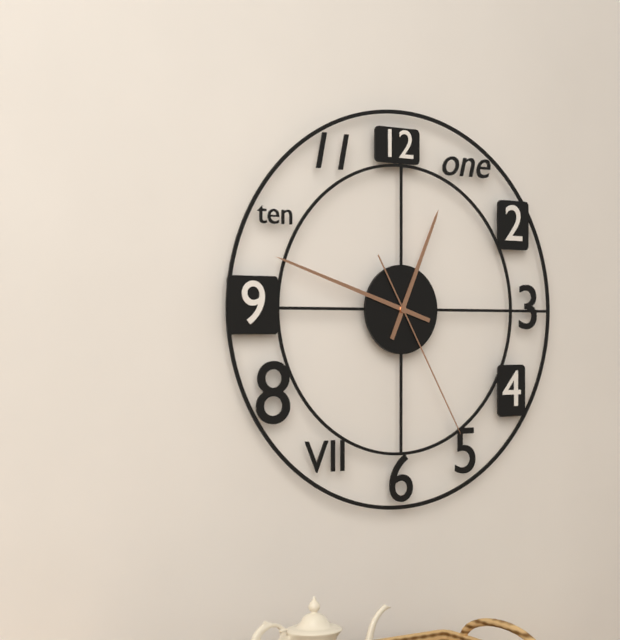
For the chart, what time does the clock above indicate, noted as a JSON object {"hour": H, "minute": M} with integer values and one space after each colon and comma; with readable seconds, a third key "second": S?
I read {"hour": 12, "minute": 48, "second": 25}
